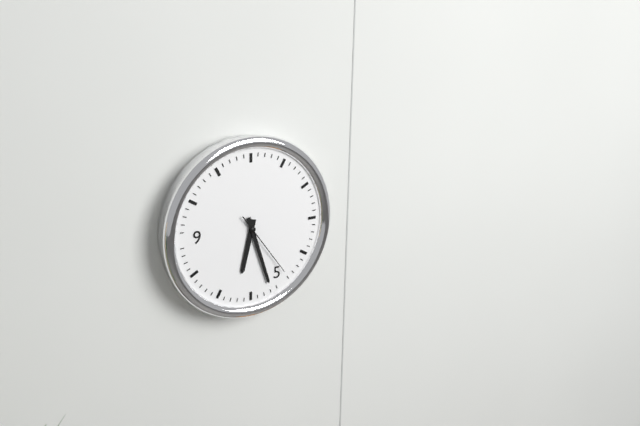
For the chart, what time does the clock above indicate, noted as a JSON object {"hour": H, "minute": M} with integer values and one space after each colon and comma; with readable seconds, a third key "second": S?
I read {"hour": 6, "minute": 27, "second": 24}
